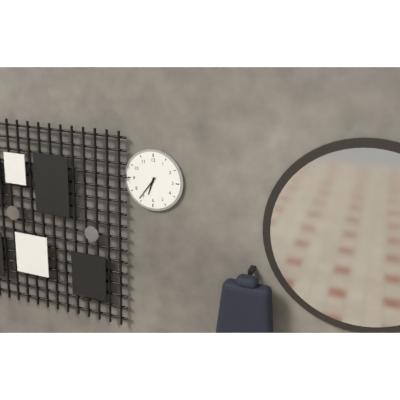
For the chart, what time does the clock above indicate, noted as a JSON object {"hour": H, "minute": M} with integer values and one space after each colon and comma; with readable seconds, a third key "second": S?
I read {"hour": 6, "minute": 36}
